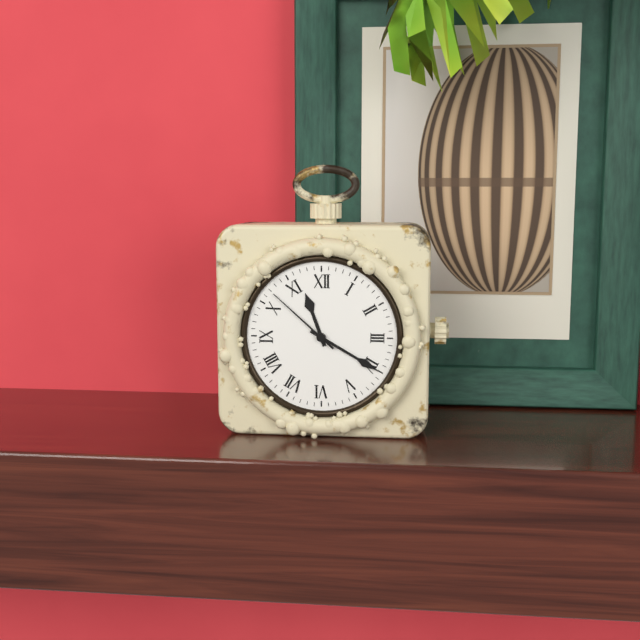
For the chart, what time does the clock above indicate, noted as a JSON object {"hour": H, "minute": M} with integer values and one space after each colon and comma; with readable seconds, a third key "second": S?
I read {"hour": 11, "minute": 20, "second": 52}
